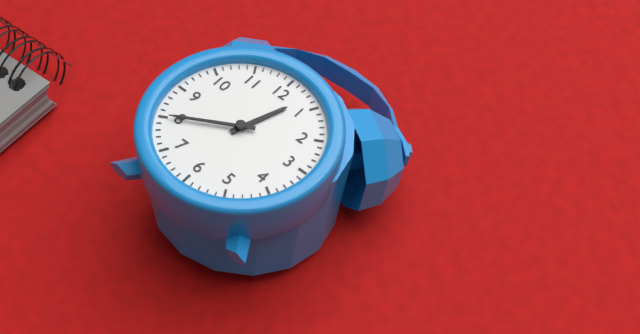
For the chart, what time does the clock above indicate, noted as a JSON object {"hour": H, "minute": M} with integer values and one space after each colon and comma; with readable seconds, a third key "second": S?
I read {"hour": 12, "minute": 40}
